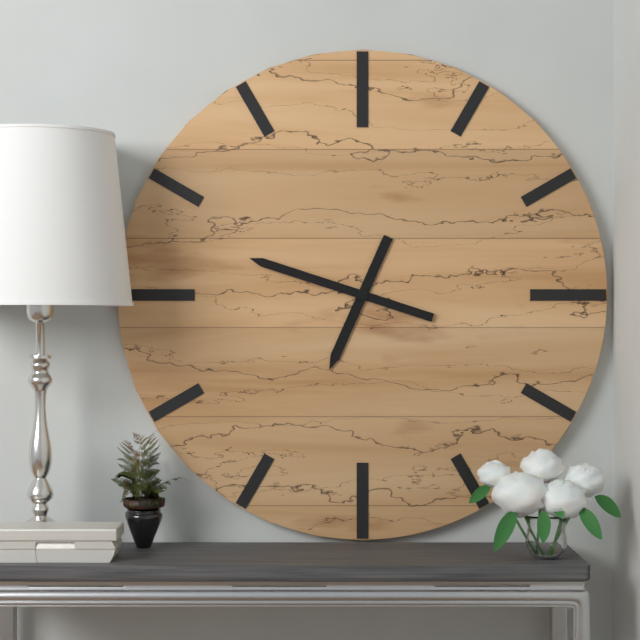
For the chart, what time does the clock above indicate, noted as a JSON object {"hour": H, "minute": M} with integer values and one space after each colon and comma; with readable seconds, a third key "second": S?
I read {"hour": 6, "minute": 48}
